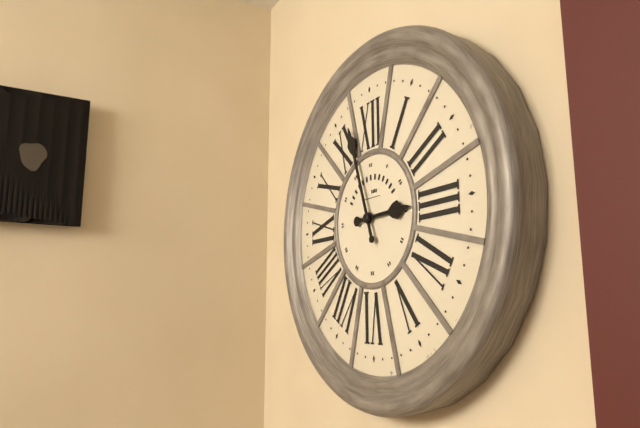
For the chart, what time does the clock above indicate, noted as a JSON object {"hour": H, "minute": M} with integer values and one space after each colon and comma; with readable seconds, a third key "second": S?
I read {"hour": 2, "minute": 57}
